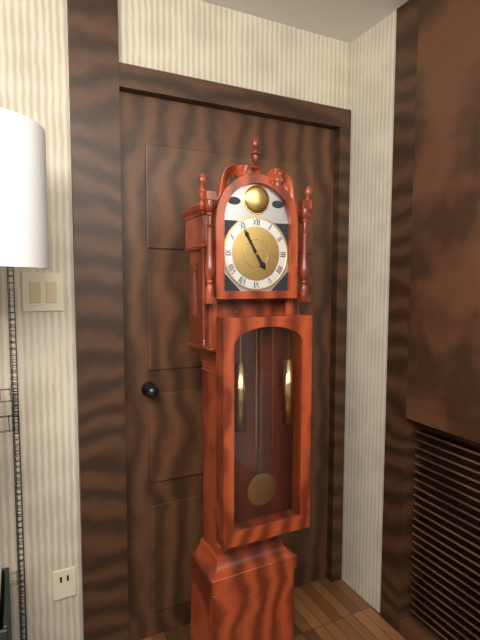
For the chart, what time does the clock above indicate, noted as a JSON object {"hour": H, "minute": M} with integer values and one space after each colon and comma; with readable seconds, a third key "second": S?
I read {"hour": 4, "minute": 55}
